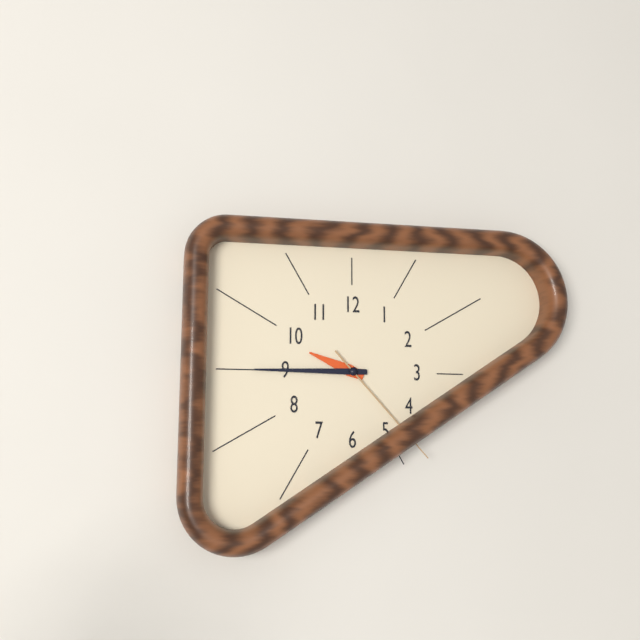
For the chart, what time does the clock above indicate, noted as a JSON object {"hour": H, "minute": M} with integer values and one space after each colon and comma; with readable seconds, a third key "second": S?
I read {"hour": 9, "minute": 45, "second": 23}
